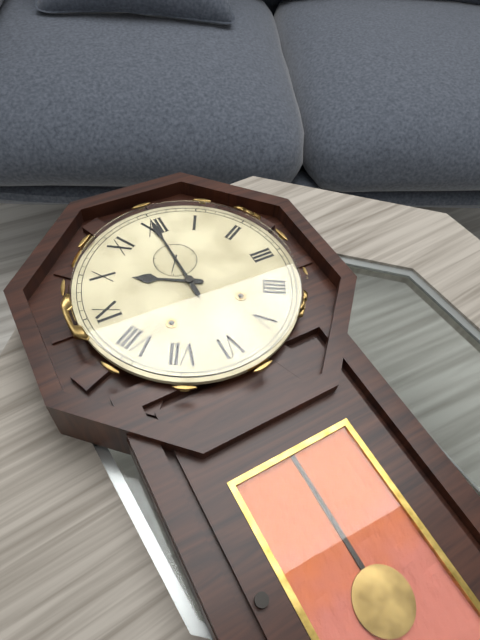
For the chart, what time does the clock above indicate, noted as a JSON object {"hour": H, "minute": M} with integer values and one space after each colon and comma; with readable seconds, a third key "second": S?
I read {"hour": 10, "minute": 0}
